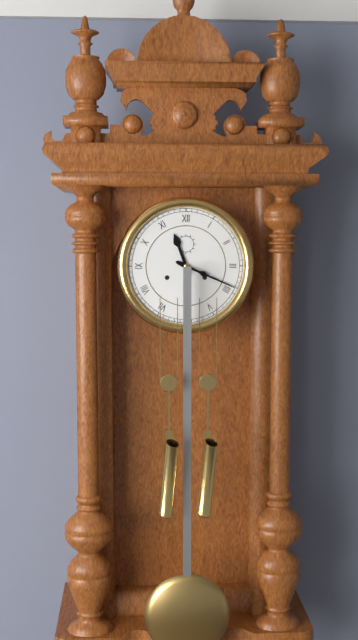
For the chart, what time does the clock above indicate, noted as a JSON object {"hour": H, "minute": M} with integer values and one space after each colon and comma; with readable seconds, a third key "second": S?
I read {"hour": 11, "minute": 19}
